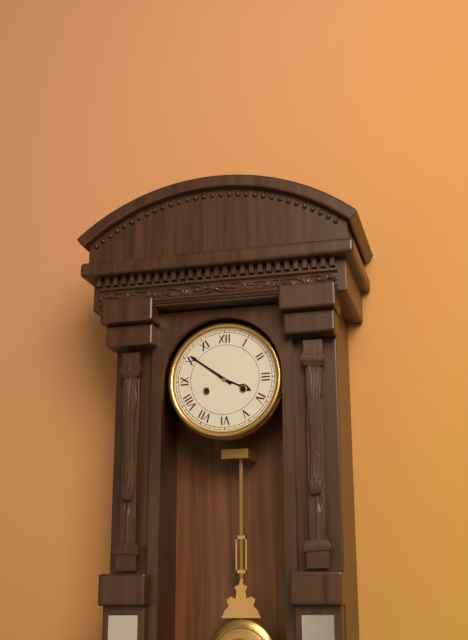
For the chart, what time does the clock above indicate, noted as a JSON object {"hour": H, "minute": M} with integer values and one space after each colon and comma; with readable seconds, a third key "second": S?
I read {"hour": 3, "minute": 51}
